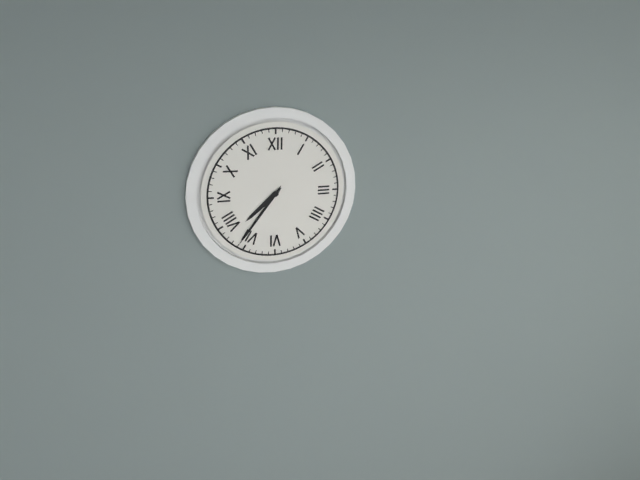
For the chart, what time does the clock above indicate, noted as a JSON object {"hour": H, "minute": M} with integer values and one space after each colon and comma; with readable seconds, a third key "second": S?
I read {"hour": 7, "minute": 36}
